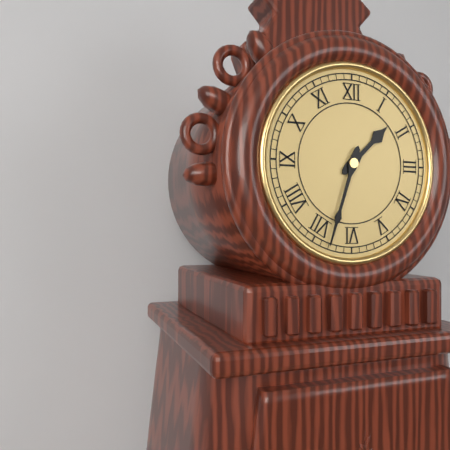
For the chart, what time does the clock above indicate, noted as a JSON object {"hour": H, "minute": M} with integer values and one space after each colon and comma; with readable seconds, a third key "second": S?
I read {"hour": 1, "minute": 33}
